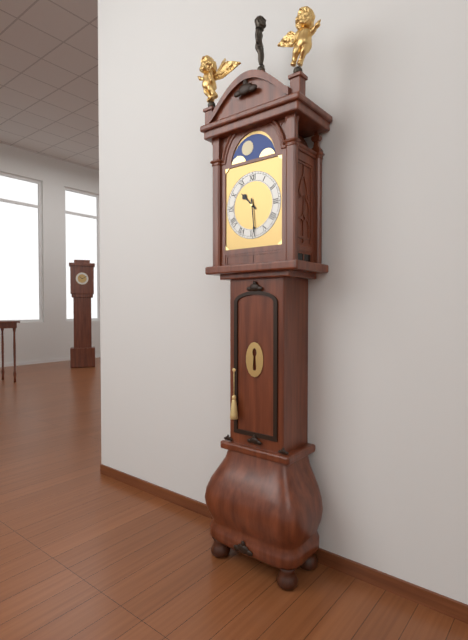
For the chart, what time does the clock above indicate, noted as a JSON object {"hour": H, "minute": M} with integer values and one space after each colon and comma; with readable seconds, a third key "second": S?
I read {"hour": 10, "minute": 29}
